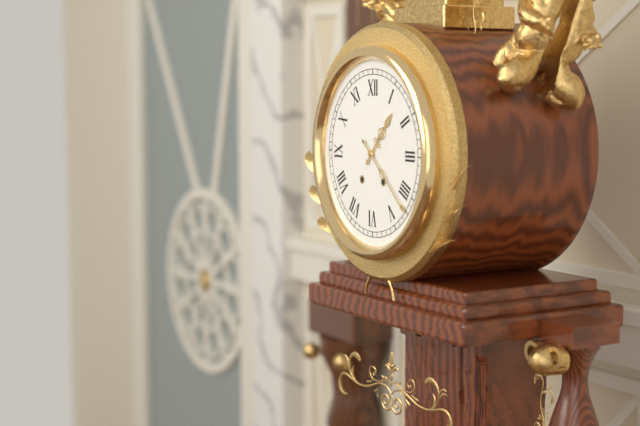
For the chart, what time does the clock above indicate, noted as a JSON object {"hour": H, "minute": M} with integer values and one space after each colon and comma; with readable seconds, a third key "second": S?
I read {"hour": 1, "minute": 22}
